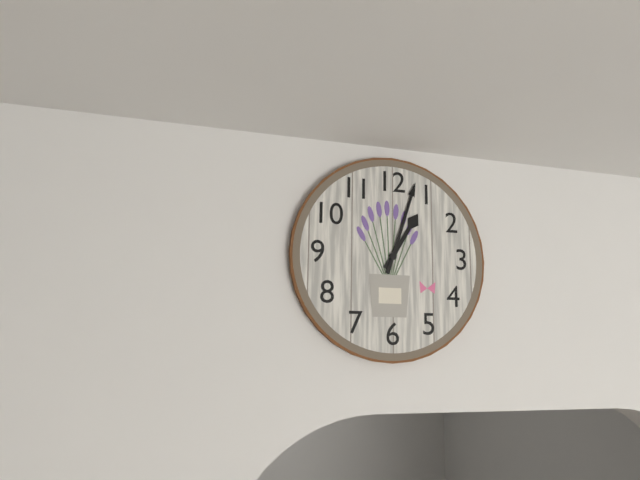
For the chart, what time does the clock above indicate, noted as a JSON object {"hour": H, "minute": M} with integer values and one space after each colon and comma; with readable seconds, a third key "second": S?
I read {"hour": 1, "minute": 3}
